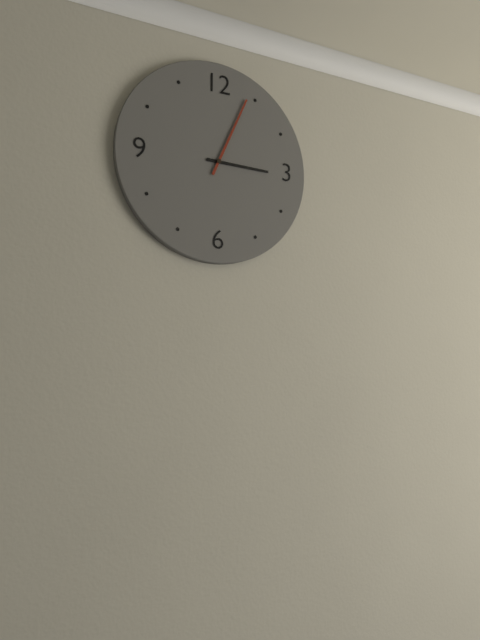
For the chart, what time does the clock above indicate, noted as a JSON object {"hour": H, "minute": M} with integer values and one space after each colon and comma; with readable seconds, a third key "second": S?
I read {"hour": 3, "minute": 4}
